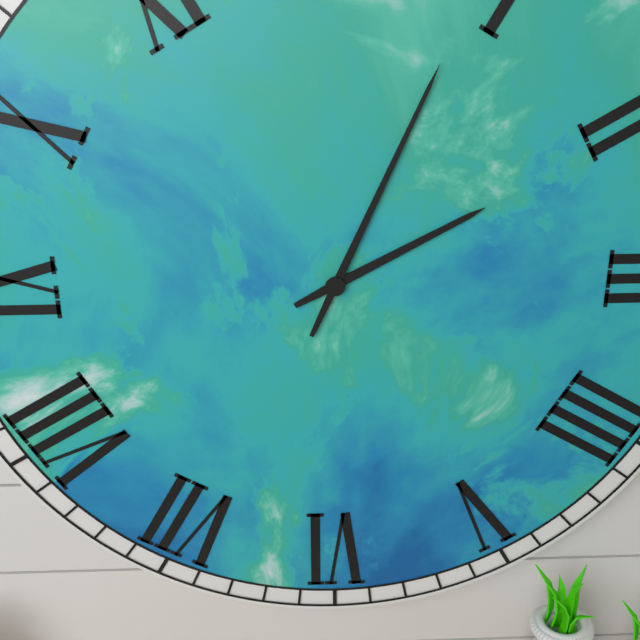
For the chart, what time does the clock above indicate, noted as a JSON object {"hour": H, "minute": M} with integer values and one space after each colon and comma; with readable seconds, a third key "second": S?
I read {"hour": 2, "minute": 4}
